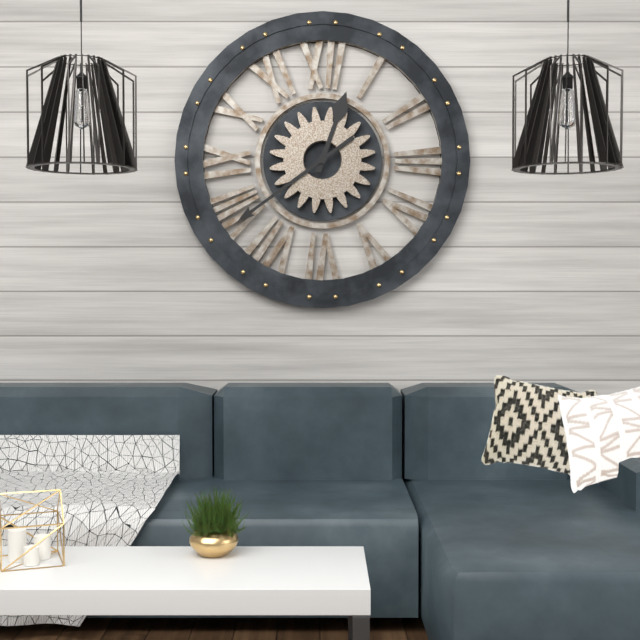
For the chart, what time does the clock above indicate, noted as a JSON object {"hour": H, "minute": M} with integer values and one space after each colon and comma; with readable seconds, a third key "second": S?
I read {"hour": 12, "minute": 39}
